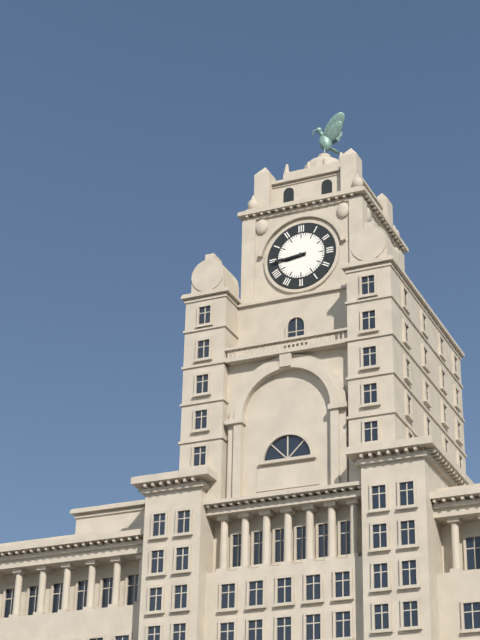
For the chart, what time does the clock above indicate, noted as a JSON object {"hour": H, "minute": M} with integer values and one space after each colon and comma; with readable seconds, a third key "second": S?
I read {"hour": 8, "minute": 44}
